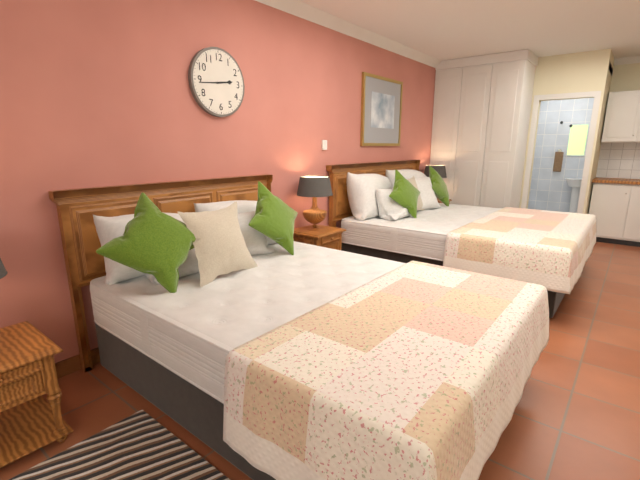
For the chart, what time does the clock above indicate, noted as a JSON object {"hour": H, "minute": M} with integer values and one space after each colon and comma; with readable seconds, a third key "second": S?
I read {"hour": 2, "minute": 44}
